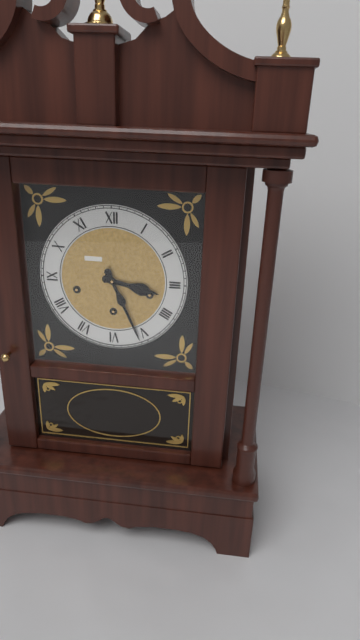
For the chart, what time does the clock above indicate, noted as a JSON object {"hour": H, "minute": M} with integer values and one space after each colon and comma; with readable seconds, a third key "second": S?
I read {"hour": 3, "minute": 26}
